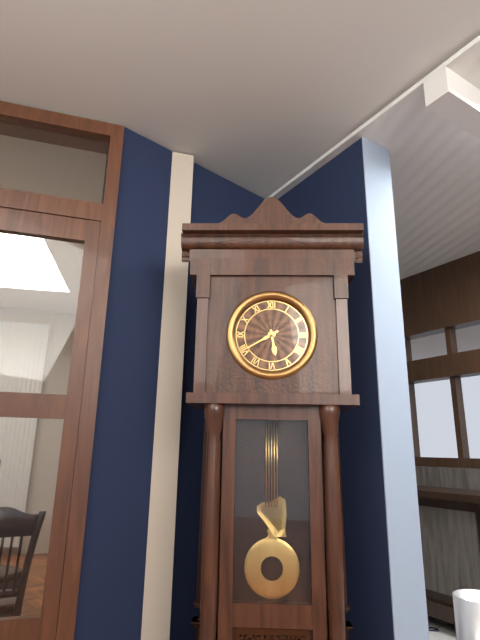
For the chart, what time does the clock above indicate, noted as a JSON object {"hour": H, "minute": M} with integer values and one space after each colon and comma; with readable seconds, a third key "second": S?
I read {"hour": 5, "minute": 40}
